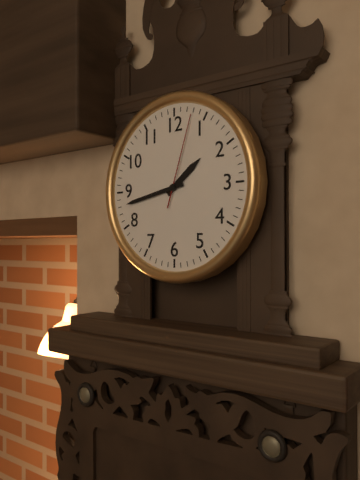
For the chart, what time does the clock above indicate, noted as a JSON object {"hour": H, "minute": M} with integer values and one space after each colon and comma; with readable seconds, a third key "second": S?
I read {"hour": 1, "minute": 43, "second": 3}
